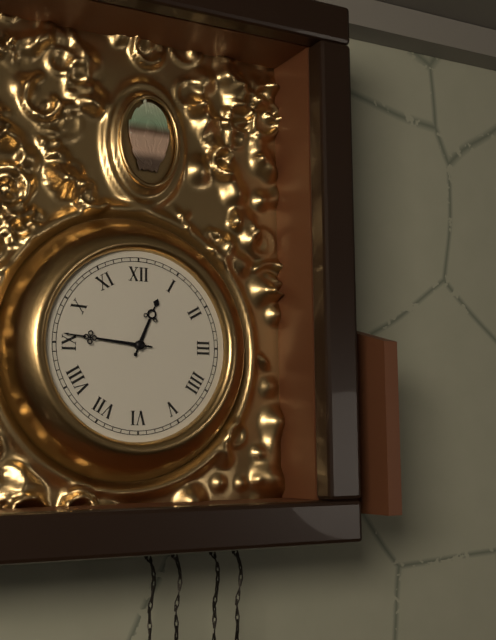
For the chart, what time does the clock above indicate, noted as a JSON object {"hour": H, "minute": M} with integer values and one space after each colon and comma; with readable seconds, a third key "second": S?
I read {"hour": 12, "minute": 46}
